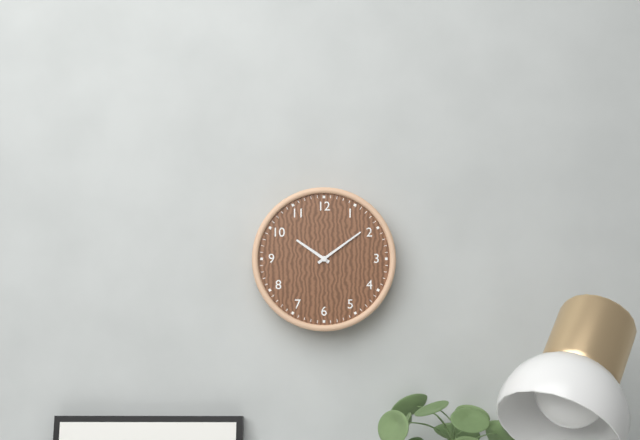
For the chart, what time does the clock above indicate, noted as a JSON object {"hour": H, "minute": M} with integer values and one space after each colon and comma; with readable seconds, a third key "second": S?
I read {"hour": 10, "minute": 9}
